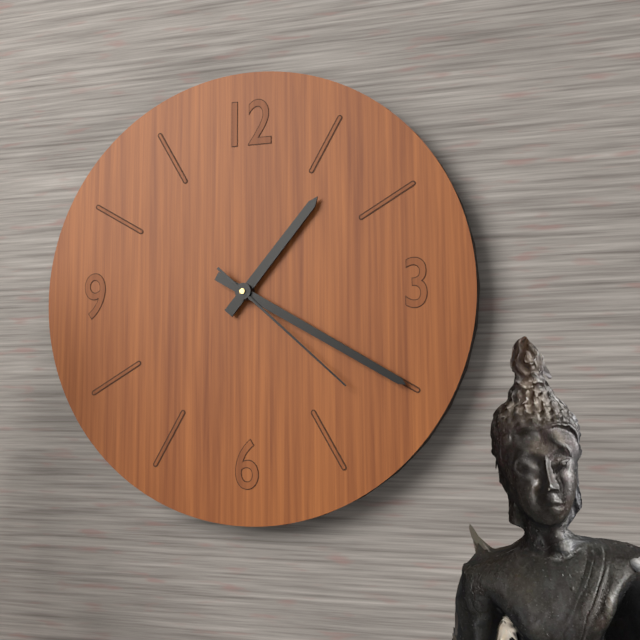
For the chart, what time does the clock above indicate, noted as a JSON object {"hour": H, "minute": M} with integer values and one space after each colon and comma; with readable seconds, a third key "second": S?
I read {"hour": 1, "minute": 20, "second": 22}
